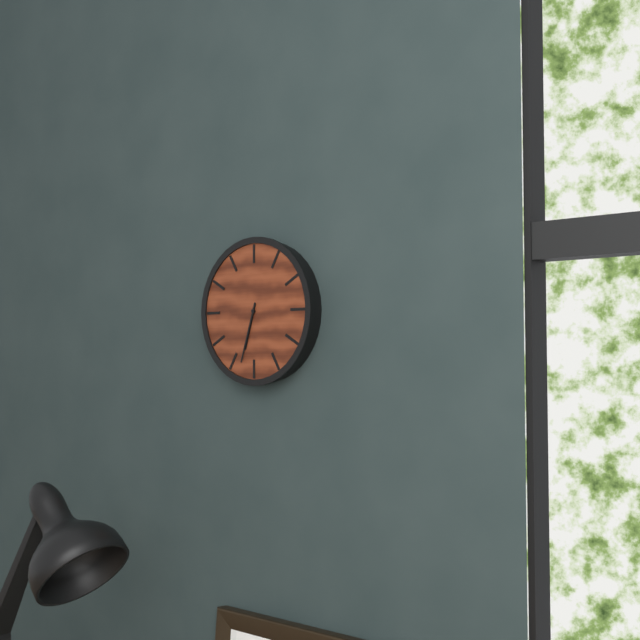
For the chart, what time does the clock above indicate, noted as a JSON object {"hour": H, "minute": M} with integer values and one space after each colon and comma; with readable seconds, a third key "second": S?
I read {"hour": 6, "minute": 33}
